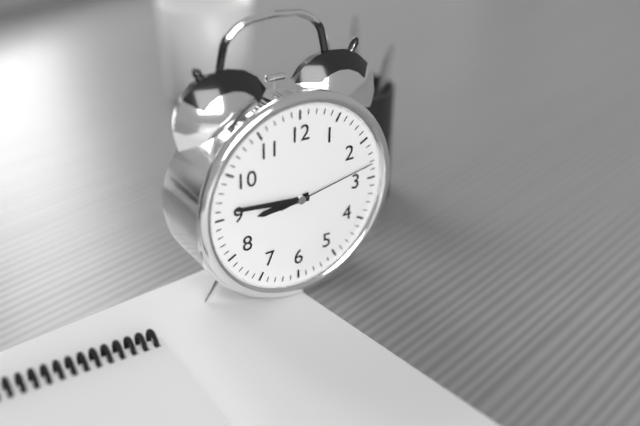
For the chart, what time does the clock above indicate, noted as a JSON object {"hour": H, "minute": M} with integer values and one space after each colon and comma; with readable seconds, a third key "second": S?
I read {"hour": 8, "minute": 46, "second": 13}
